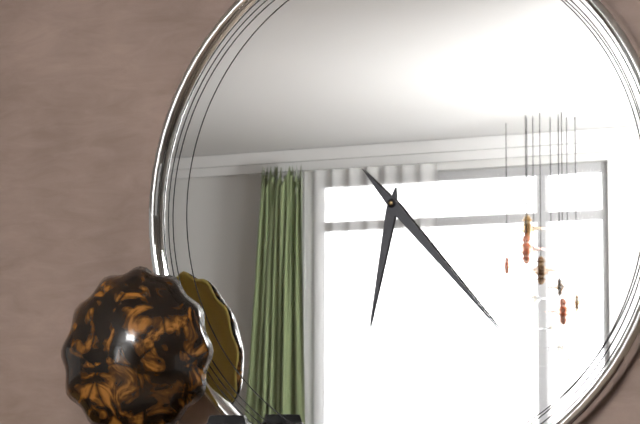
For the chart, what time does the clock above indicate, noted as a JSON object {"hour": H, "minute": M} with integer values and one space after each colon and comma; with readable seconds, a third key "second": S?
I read {"hour": 6, "minute": 23}
